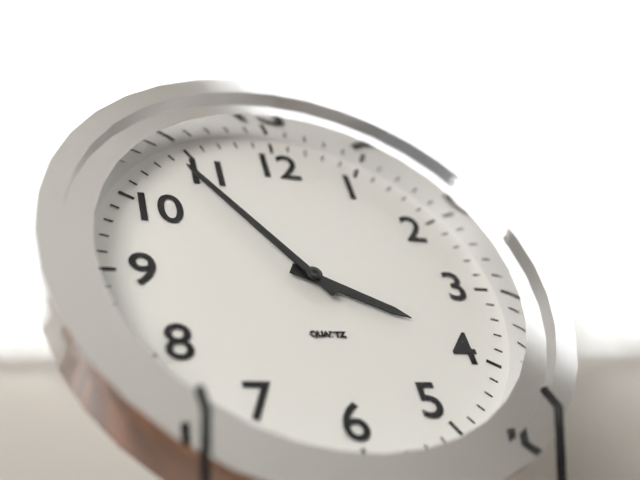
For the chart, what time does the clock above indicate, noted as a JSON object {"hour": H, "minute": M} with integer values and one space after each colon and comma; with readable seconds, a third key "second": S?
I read {"hour": 3, "minute": 54}
